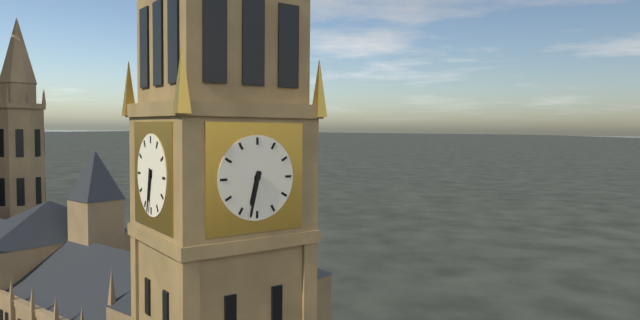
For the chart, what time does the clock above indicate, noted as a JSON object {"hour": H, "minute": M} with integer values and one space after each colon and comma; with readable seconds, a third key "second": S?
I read {"hour": 6, "minute": 32}
